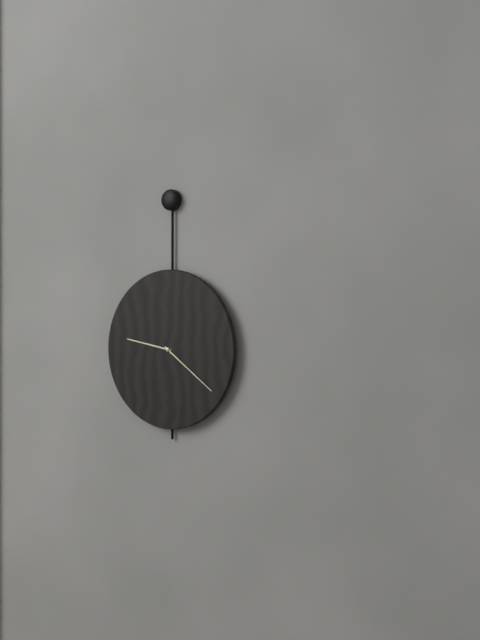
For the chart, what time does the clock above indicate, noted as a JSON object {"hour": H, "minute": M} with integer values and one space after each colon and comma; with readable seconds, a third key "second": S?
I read {"hour": 9, "minute": 21}
